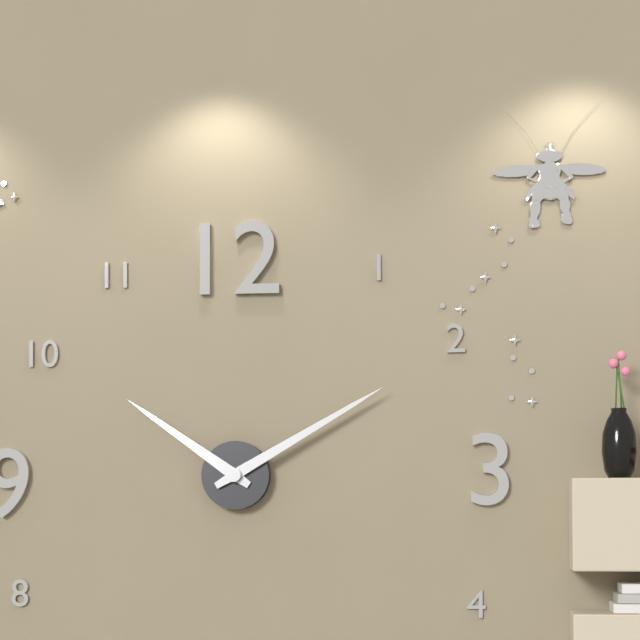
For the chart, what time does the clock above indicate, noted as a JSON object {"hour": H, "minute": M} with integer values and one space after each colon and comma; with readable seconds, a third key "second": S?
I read {"hour": 10, "minute": 10}
